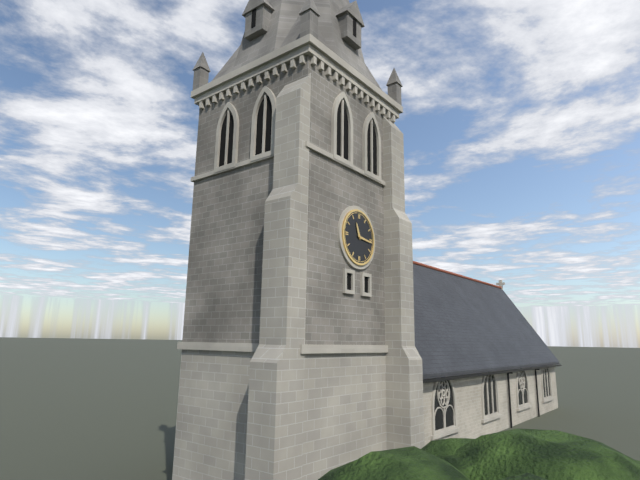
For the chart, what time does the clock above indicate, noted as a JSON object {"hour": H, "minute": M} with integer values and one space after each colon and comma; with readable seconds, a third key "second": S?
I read {"hour": 11, "minute": 16}
